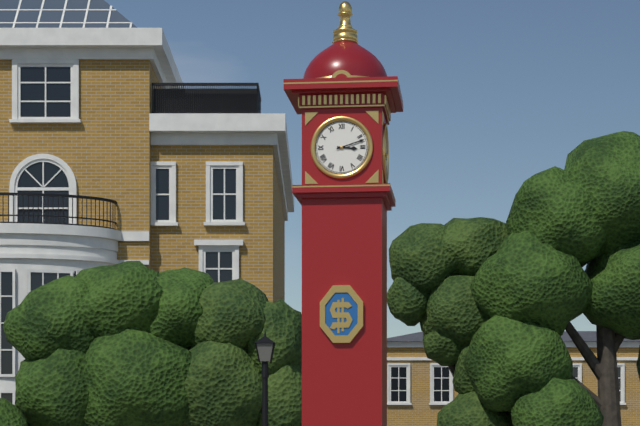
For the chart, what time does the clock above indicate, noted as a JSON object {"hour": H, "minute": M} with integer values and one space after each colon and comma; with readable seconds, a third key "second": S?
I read {"hour": 3, "minute": 12}
